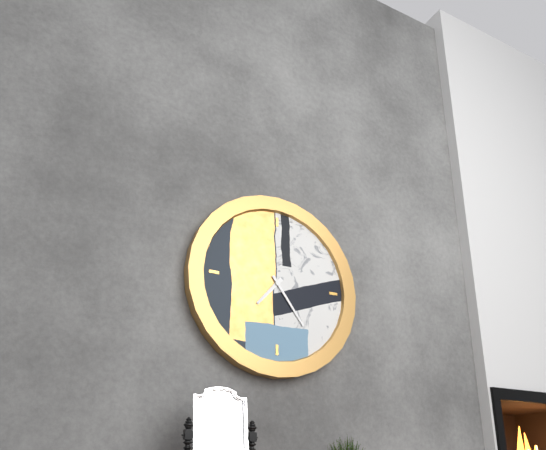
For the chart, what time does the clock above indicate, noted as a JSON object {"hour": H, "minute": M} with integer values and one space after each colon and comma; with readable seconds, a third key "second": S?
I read {"hour": 7, "minute": 24}
